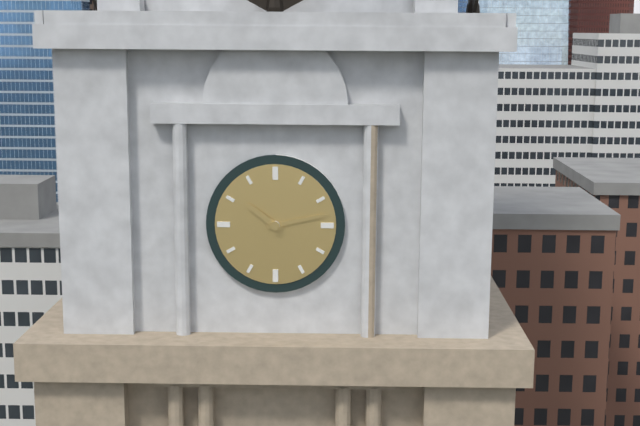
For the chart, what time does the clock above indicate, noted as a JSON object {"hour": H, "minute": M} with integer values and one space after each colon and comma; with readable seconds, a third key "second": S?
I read {"hour": 10, "minute": 13}
